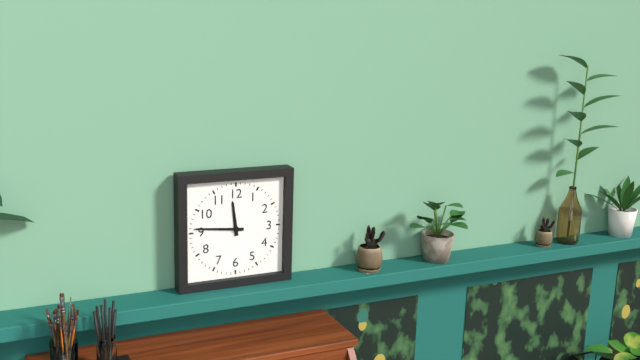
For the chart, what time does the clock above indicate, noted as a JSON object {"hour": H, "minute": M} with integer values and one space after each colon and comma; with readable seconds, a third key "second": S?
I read {"hour": 11, "minute": 46}
